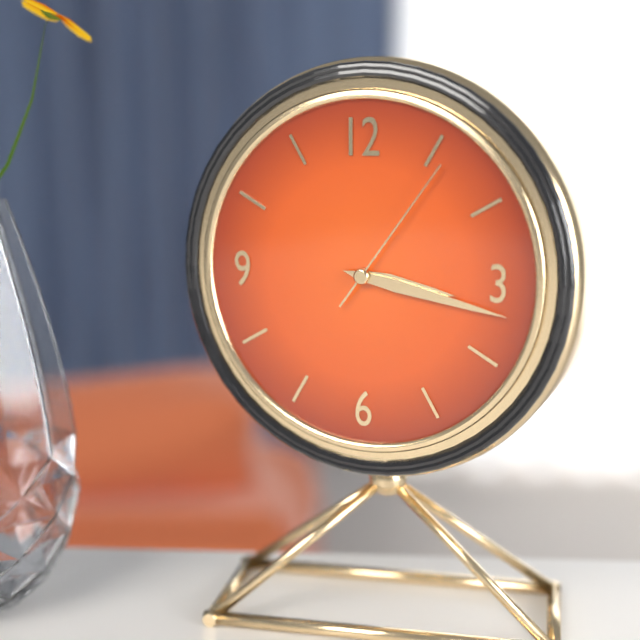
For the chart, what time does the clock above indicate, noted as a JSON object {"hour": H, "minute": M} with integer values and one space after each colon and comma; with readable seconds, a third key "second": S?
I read {"hour": 3, "minute": 17, "second": 6}
